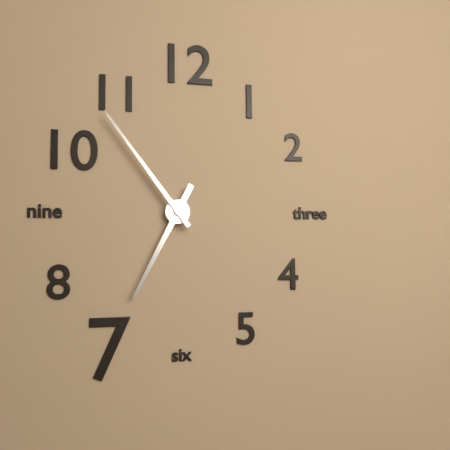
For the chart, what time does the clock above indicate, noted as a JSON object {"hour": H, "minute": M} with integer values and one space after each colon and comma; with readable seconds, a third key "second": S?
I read {"hour": 6, "minute": 54}
